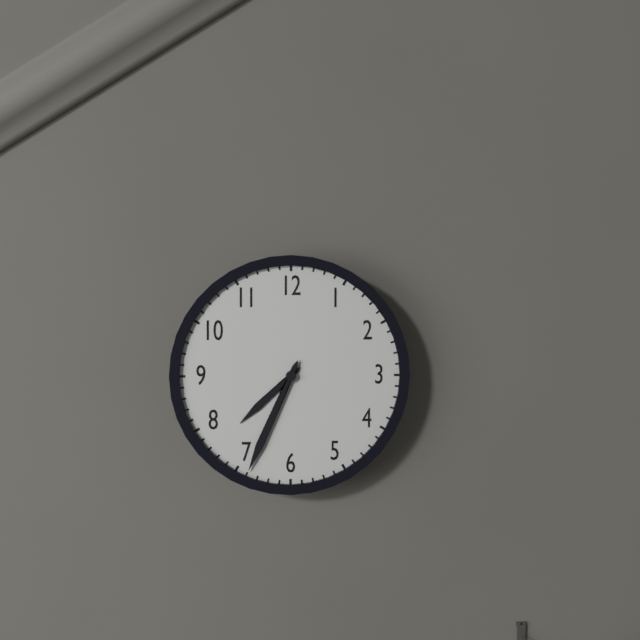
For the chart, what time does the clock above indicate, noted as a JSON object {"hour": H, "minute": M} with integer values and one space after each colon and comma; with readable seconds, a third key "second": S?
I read {"hour": 7, "minute": 34}
